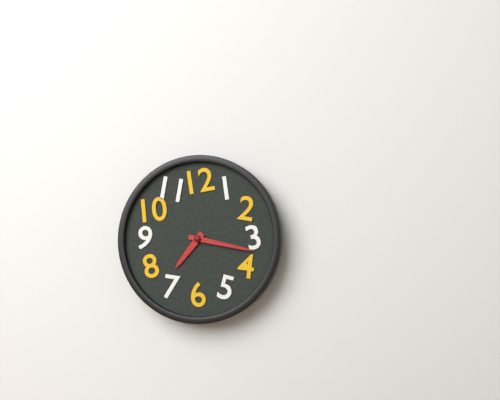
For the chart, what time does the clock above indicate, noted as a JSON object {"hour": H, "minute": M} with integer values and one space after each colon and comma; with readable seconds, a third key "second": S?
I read {"hour": 7, "minute": 17}
